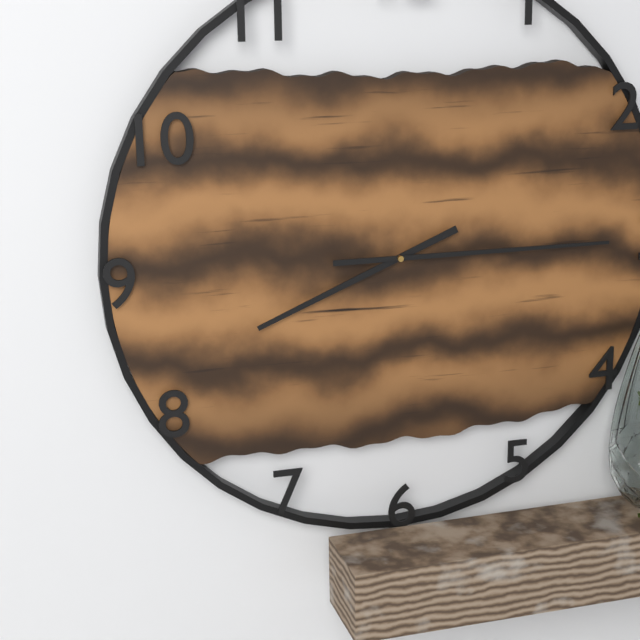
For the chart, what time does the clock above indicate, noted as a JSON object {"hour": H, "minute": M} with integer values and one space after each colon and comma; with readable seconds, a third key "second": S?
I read {"hour": 8, "minute": 15}
